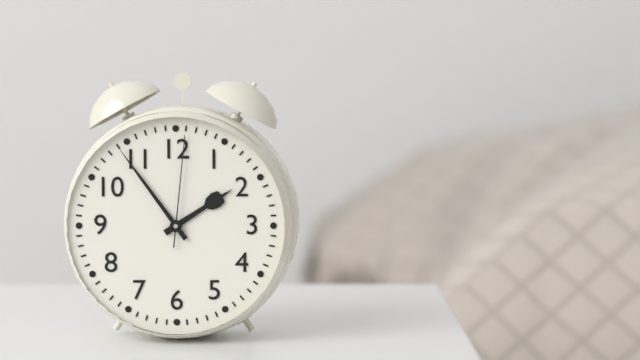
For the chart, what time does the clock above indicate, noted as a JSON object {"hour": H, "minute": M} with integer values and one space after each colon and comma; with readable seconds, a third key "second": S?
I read {"hour": 1, "minute": 54, "second": 1}
